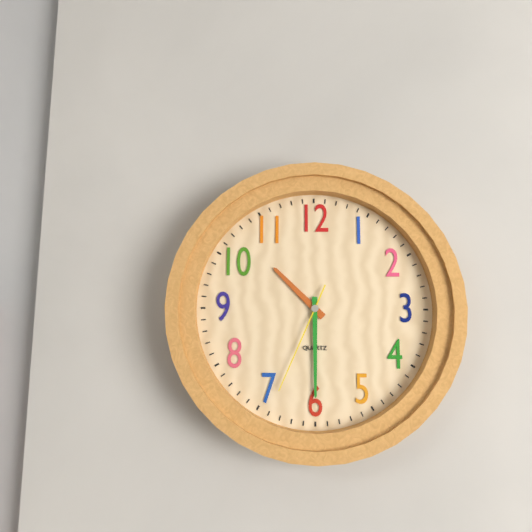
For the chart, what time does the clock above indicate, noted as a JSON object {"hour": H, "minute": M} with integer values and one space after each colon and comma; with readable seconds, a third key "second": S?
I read {"hour": 10, "minute": 30, "second": 34}
